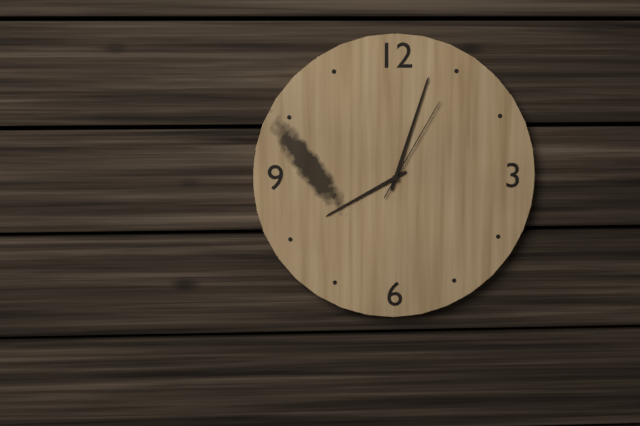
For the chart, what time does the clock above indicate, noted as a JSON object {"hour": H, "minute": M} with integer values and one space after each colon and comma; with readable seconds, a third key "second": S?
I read {"hour": 8, "minute": 3, "second": 5}
